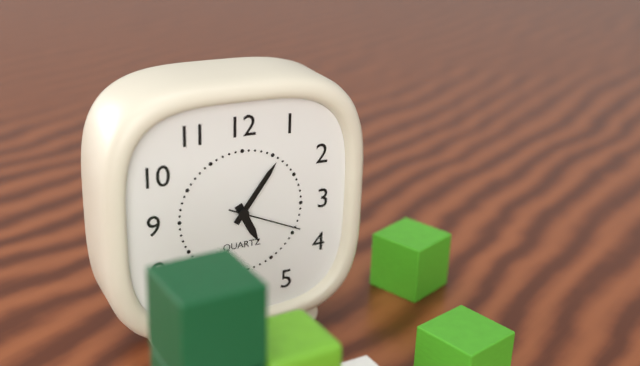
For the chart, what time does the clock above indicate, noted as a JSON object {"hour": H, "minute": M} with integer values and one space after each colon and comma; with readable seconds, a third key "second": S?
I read {"hour": 5, "minute": 6, "second": 19}
